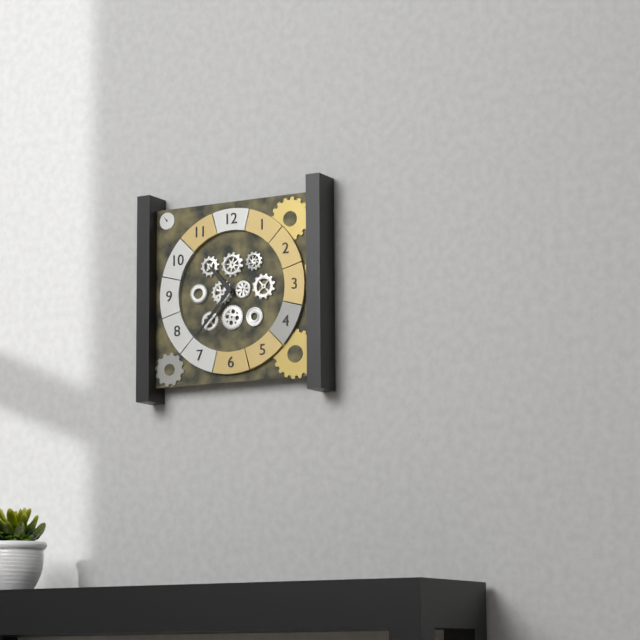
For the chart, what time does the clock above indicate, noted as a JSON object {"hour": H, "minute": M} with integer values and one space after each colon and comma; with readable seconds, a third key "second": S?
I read {"hour": 10, "minute": 37}
